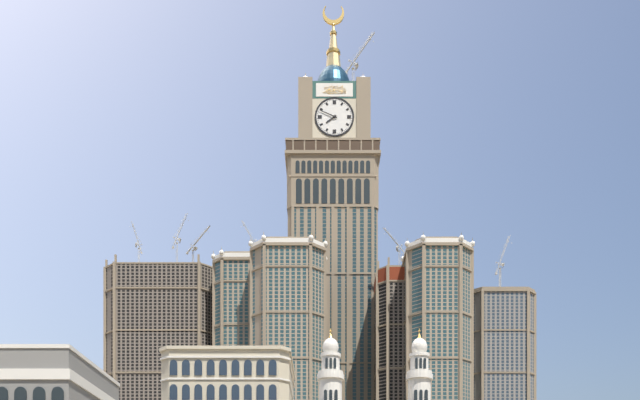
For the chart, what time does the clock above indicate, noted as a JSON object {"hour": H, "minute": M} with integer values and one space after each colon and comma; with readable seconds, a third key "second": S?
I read {"hour": 7, "minute": 49}
